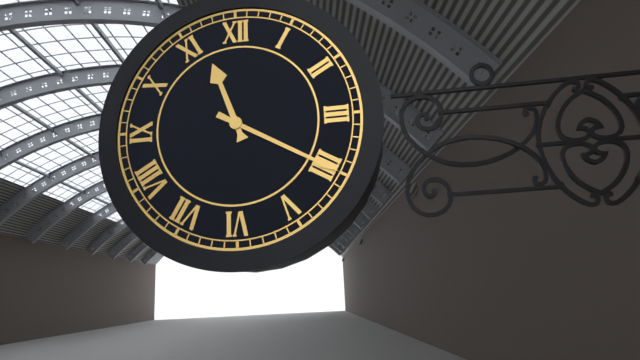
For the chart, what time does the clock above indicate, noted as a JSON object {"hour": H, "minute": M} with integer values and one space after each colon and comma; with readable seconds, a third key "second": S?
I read {"hour": 11, "minute": 20}
